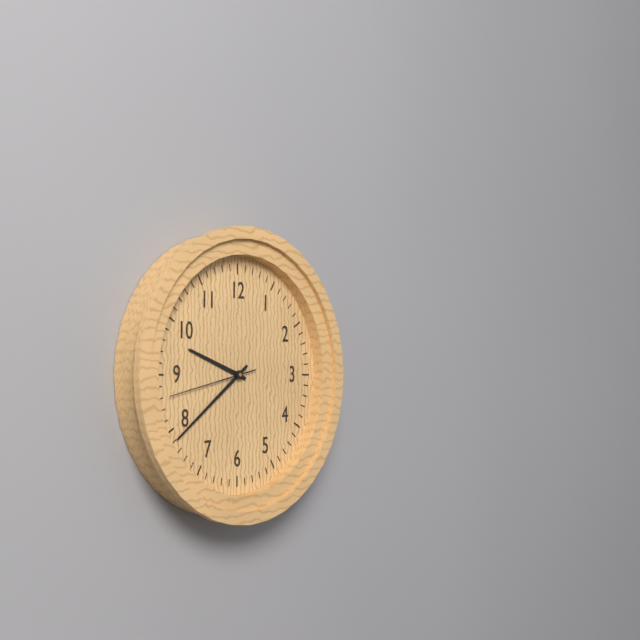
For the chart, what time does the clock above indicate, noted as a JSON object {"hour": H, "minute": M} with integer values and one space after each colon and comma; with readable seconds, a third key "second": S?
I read {"hour": 9, "minute": 39, "second": 43}
